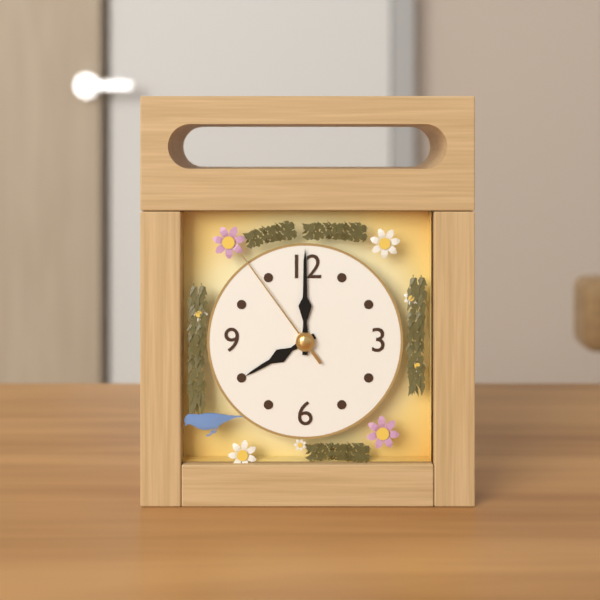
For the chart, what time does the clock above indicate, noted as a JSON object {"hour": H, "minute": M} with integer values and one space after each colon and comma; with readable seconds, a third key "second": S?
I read {"hour": 8, "minute": 0, "second": 54}
